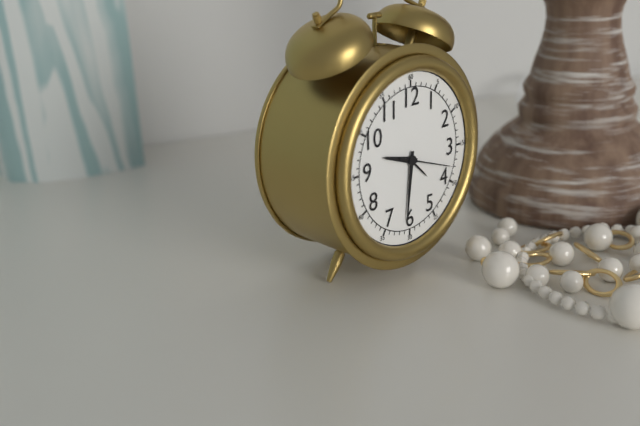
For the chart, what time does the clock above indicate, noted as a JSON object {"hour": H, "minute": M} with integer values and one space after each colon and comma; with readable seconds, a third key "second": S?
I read {"hour": 9, "minute": 31, "second": 18}
